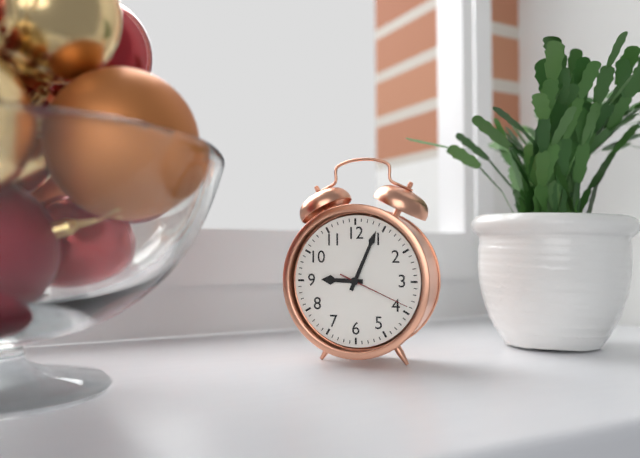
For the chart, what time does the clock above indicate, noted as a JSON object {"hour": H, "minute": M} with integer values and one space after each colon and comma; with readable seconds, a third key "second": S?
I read {"hour": 9, "minute": 4, "second": 19}
